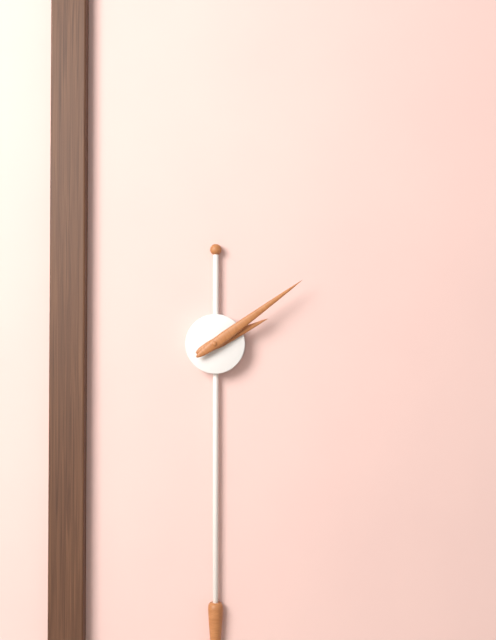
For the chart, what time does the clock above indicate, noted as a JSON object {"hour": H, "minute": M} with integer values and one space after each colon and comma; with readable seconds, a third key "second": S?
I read {"hour": 2, "minute": 9}
